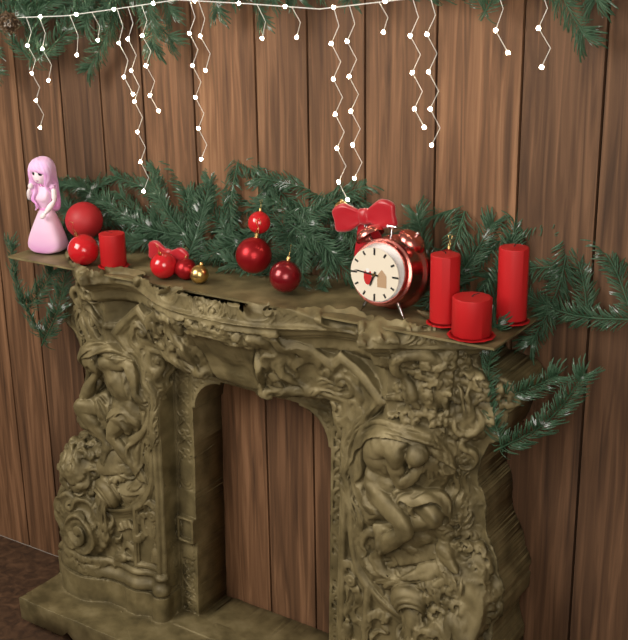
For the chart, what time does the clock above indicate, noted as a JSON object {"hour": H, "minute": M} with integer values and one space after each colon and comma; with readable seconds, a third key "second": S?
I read {"hour": 6, "minute": 46}
